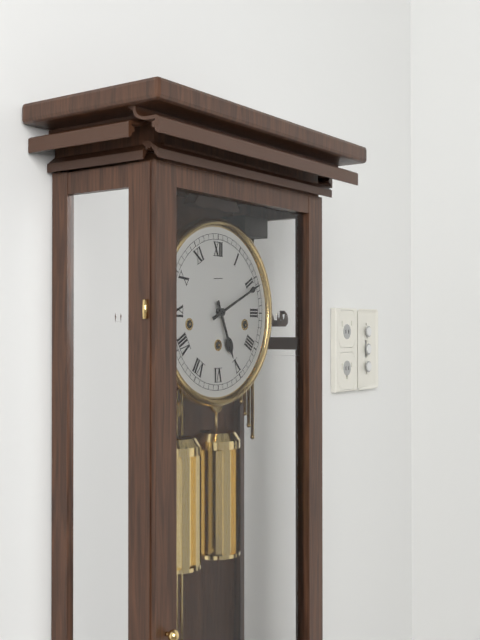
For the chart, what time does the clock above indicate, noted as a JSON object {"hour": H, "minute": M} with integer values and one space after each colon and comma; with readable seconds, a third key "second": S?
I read {"hour": 5, "minute": 11}
